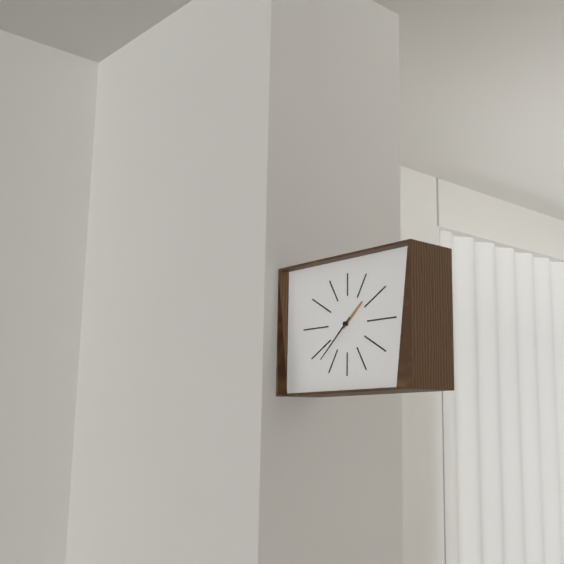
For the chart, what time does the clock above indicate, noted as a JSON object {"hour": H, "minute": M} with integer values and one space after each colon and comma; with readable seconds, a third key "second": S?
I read {"hour": 1, "minute": 38}
